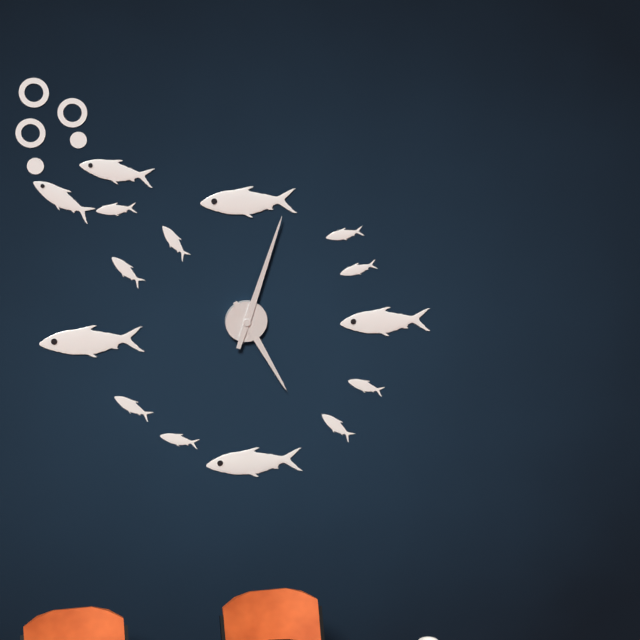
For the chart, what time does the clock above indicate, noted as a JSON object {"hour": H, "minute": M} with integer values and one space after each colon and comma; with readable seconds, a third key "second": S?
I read {"hour": 5, "minute": 3}
